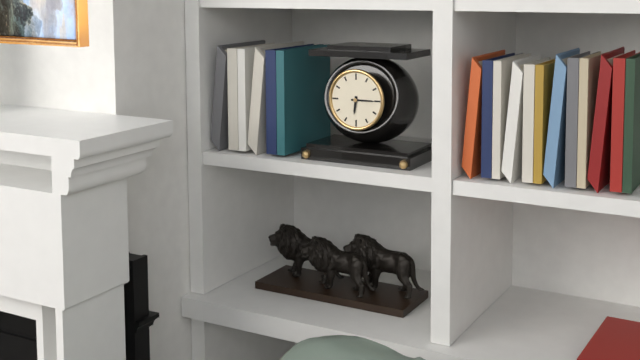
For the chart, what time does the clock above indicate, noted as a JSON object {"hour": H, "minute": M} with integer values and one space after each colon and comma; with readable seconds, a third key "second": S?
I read {"hour": 6, "minute": 15}
